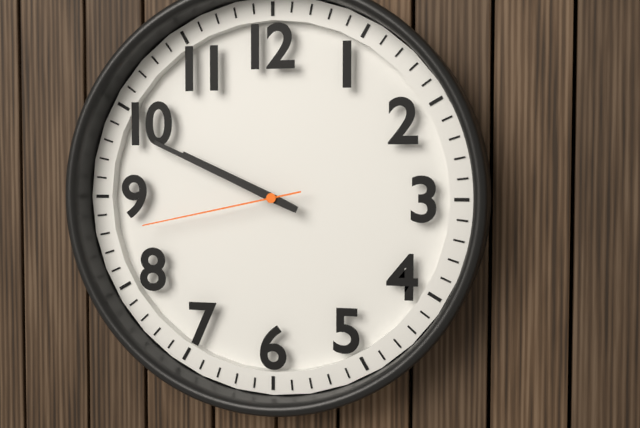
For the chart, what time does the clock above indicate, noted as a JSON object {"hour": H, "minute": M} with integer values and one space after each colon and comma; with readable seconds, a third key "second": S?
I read {"hour": 9, "minute": 49, "second": 43}
